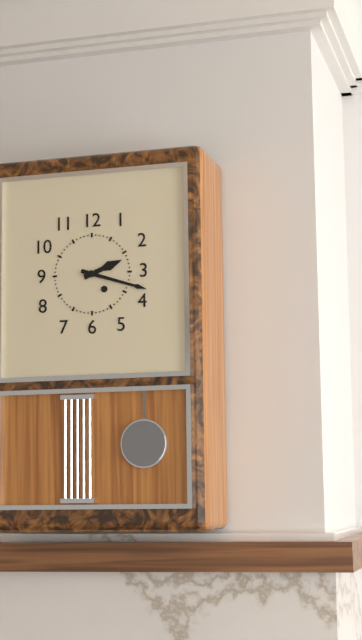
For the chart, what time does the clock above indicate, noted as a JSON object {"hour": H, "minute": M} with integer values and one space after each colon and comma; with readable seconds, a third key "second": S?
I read {"hour": 2, "minute": 18}
